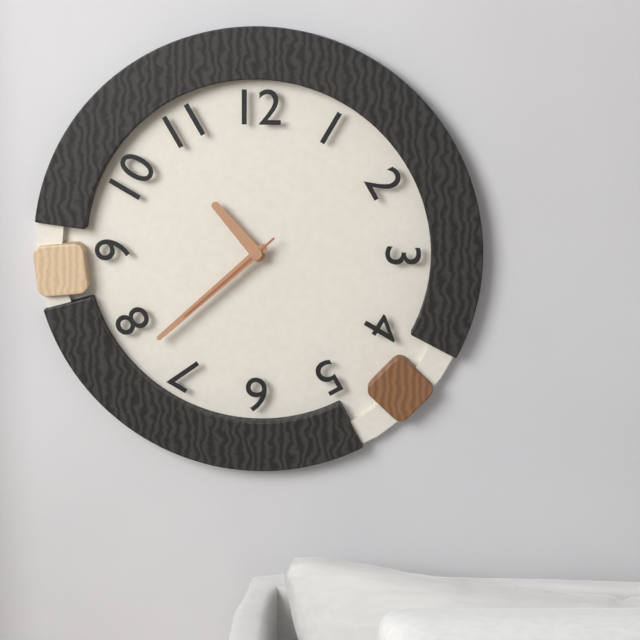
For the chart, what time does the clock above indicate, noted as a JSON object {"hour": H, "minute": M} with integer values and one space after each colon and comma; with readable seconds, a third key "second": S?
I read {"hour": 10, "minute": 38, "second": 38}
